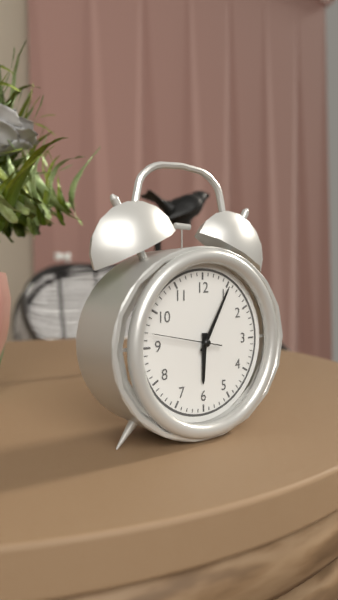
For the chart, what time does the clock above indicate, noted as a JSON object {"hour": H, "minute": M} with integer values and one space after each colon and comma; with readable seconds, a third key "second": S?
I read {"hour": 6, "minute": 5, "second": 47}
